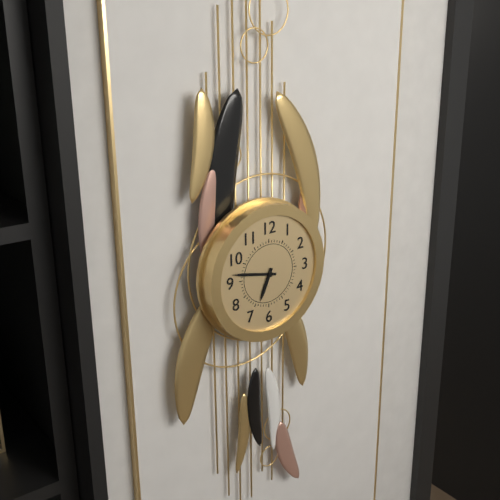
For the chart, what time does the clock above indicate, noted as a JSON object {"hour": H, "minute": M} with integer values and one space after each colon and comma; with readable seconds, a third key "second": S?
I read {"hour": 6, "minute": 47}
